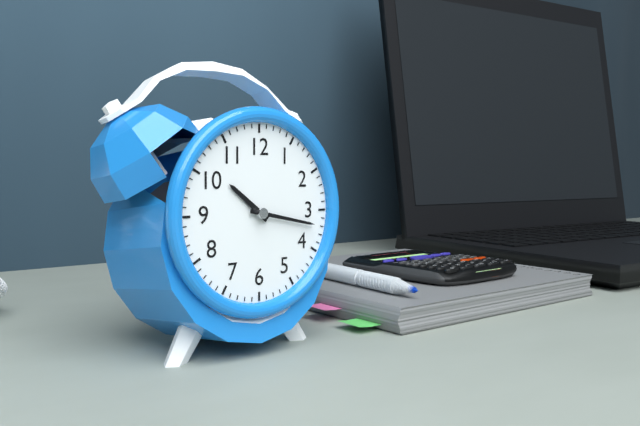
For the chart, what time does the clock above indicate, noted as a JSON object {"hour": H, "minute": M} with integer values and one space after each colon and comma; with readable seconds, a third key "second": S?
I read {"hour": 10, "minute": 17}
